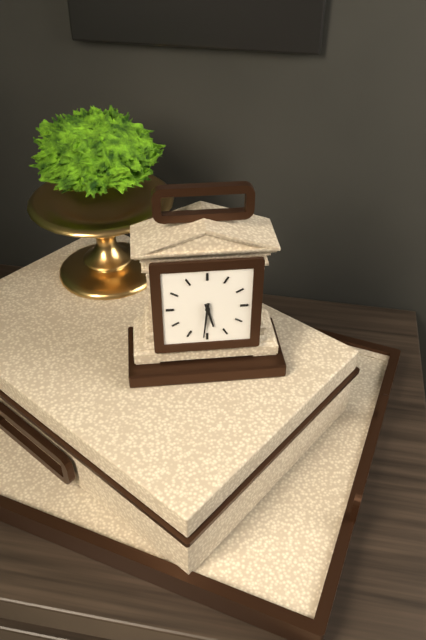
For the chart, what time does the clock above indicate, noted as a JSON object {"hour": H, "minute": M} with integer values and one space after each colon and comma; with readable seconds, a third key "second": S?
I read {"hour": 5, "minute": 31}
